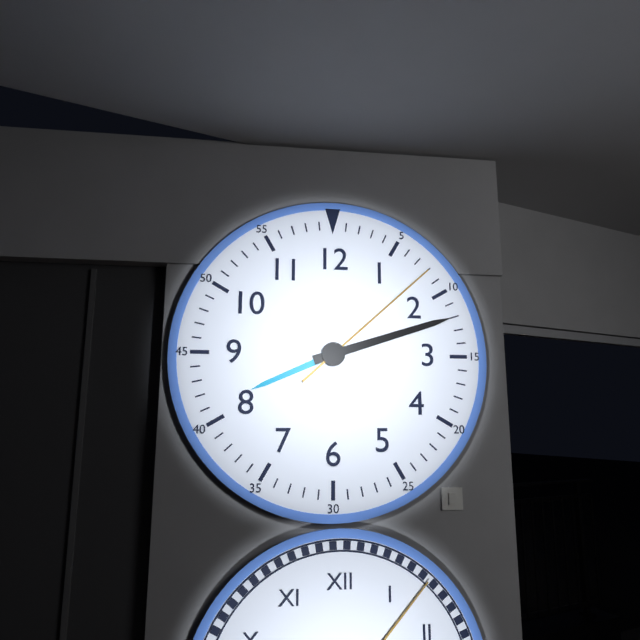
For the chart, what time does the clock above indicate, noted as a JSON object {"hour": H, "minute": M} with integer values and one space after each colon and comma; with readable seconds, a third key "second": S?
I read {"hour": 8, "minute": 12, "second": 8}
